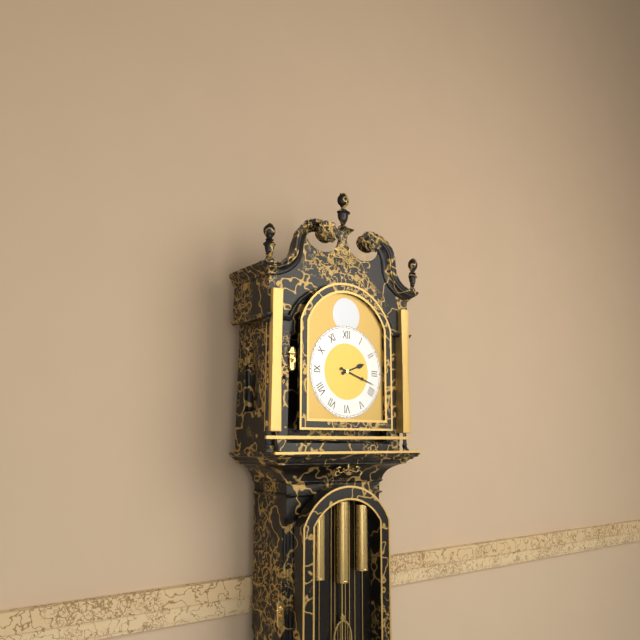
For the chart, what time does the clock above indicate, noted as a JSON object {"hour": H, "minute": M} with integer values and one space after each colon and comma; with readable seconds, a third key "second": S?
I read {"hour": 2, "minute": 18}
